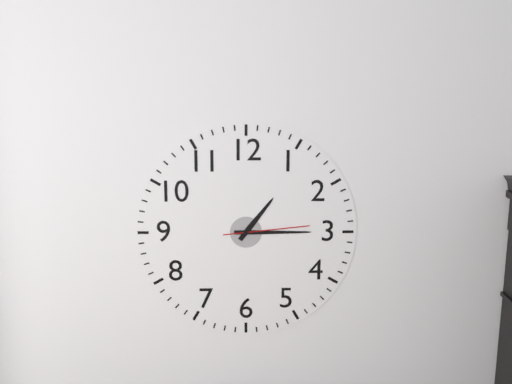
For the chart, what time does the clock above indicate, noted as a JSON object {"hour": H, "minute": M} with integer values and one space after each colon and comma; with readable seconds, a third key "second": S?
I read {"hour": 1, "minute": 15, "second": 14}
